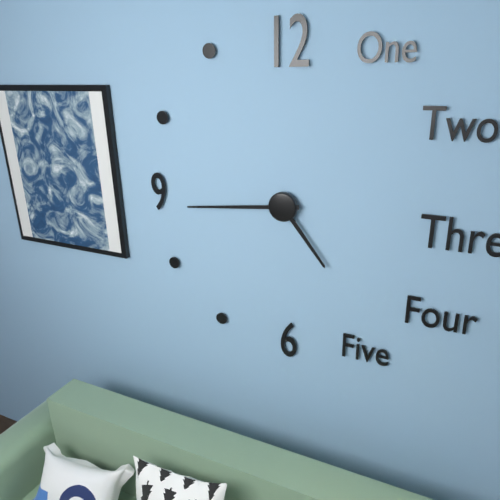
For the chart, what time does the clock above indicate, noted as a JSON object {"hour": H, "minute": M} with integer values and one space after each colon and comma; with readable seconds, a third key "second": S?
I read {"hour": 4, "minute": 44}
